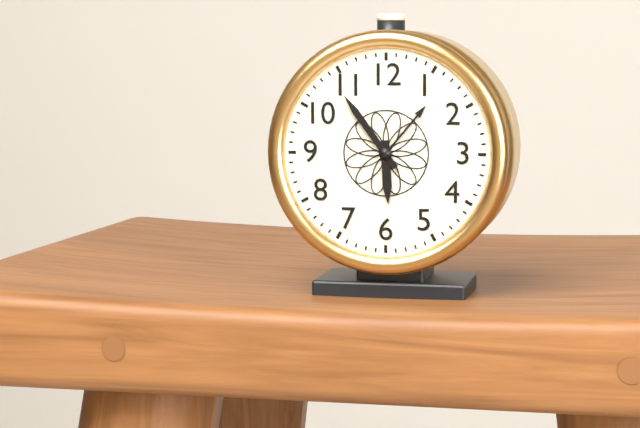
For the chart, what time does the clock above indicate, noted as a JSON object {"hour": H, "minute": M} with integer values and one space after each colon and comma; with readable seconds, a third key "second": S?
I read {"hour": 5, "minute": 54}
